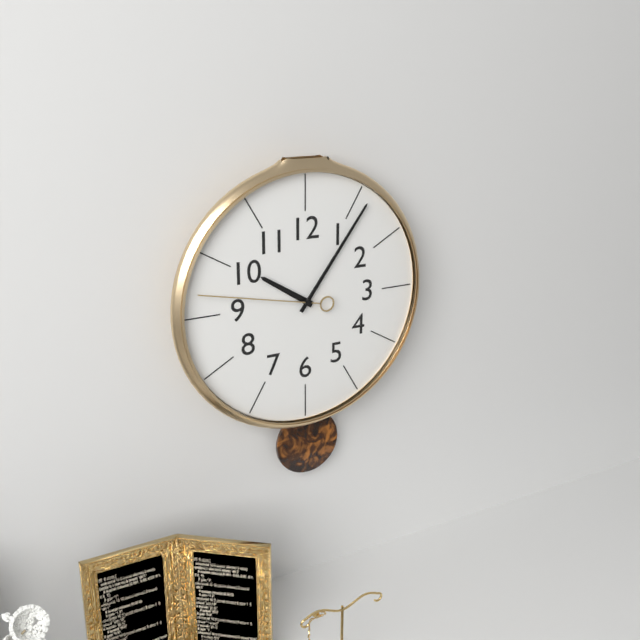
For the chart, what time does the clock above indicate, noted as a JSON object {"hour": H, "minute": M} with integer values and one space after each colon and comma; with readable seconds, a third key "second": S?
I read {"hour": 10, "minute": 6, "second": 47}
